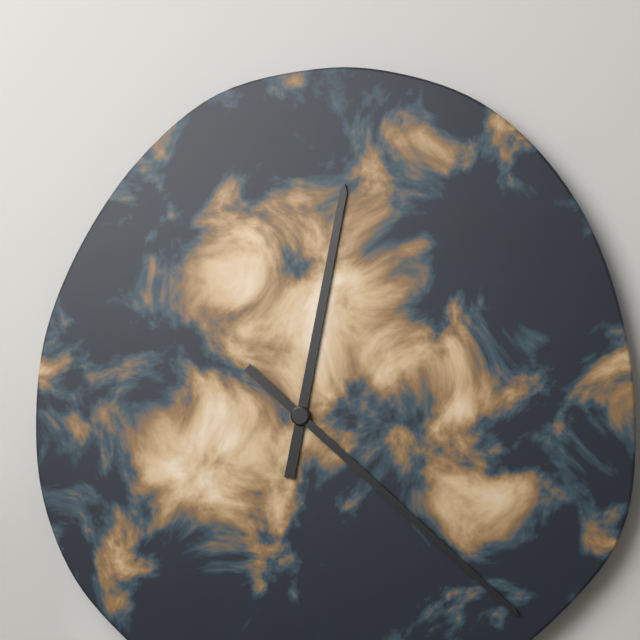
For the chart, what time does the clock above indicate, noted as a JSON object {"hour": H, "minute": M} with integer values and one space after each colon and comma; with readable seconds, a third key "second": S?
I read {"hour": 12, "minute": 22}
